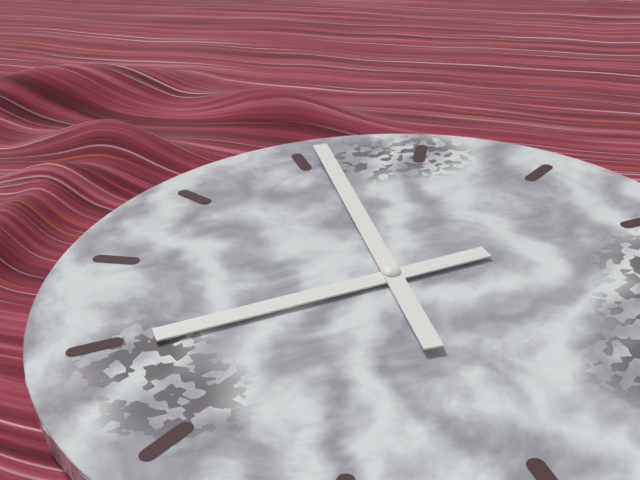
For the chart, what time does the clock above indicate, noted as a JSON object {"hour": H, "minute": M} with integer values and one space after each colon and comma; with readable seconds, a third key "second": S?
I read {"hour": 7, "minute": 56}
